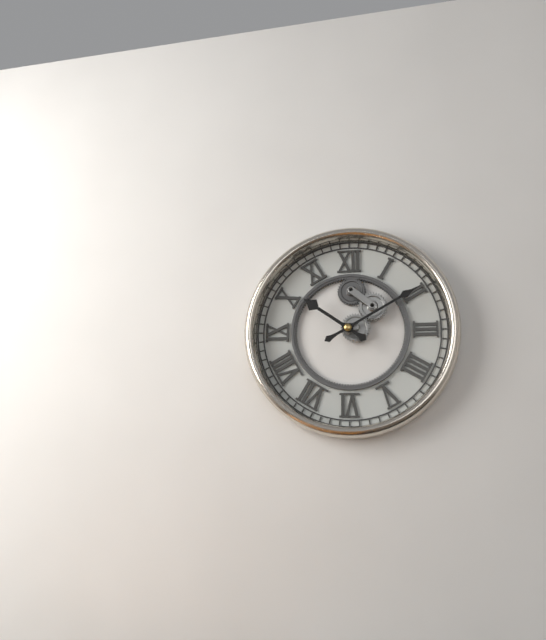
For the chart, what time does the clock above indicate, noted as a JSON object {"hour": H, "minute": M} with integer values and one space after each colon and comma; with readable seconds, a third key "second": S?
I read {"hour": 10, "minute": 10}
